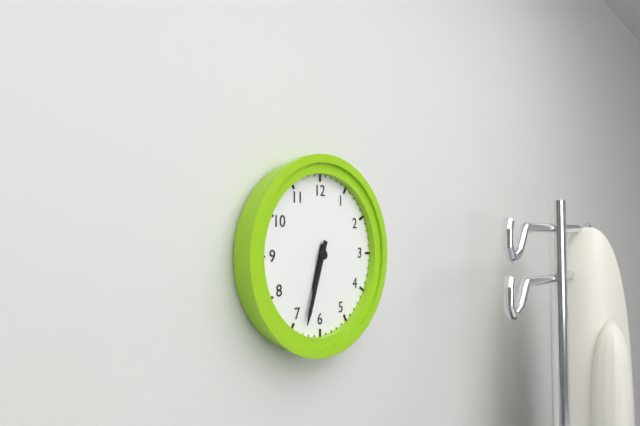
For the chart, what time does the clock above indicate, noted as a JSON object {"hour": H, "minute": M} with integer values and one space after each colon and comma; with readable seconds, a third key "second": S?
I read {"hour": 6, "minute": 33}
